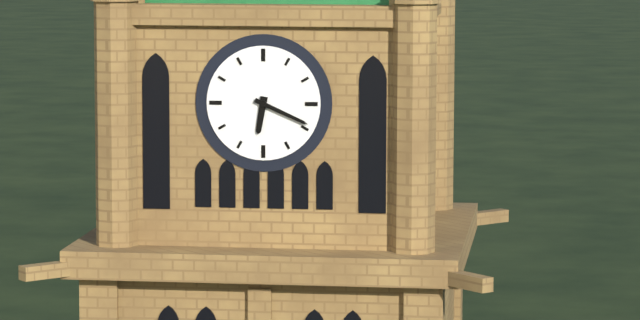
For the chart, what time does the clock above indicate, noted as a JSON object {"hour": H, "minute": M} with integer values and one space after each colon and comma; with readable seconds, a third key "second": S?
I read {"hour": 6, "minute": 19}
